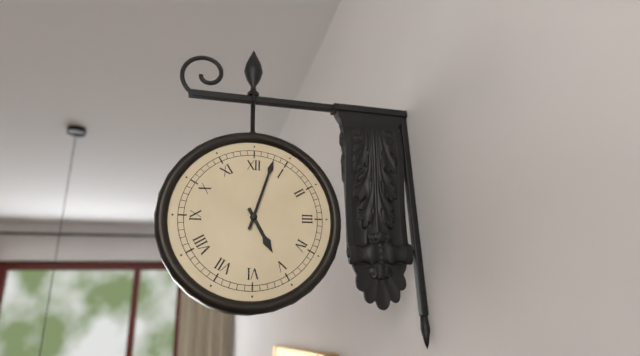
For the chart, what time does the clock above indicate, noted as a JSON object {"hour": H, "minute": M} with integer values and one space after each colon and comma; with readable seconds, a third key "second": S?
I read {"hour": 5, "minute": 3}
